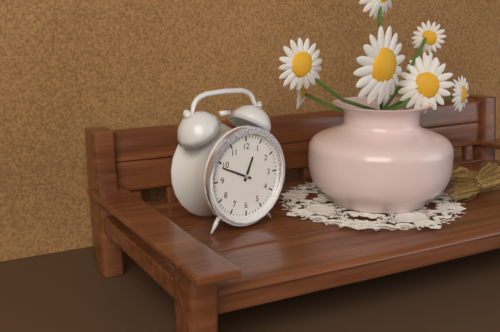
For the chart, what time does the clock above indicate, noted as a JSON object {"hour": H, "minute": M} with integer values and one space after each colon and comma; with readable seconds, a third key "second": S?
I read {"hour": 12, "minute": 49}
